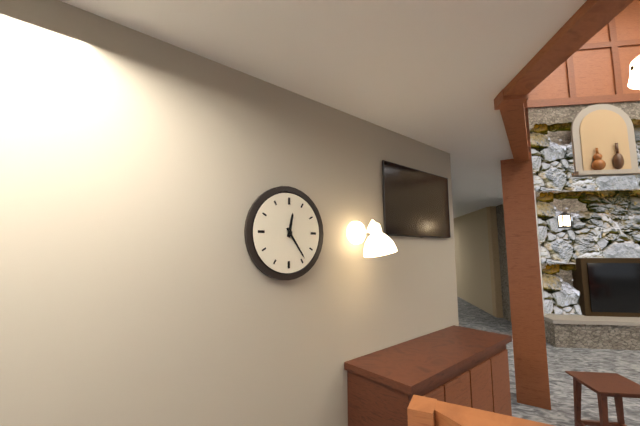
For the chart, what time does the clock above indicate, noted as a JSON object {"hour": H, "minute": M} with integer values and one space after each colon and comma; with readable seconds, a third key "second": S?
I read {"hour": 12, "minute": 24}
